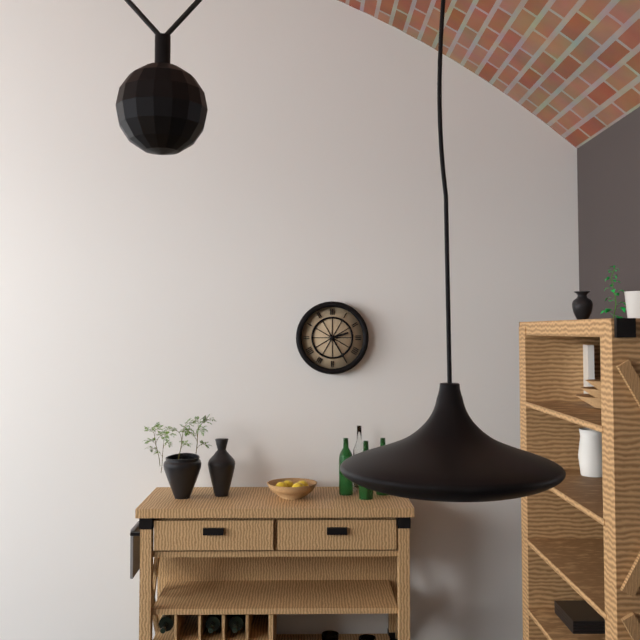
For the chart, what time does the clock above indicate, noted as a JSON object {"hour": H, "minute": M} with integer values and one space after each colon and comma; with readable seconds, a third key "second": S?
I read {"hour": 2, "minute": 25}
